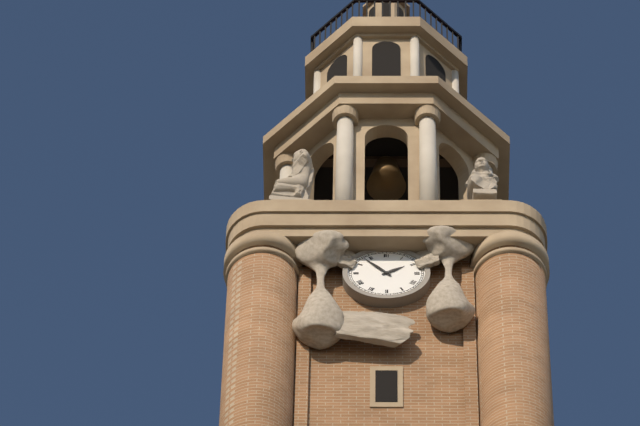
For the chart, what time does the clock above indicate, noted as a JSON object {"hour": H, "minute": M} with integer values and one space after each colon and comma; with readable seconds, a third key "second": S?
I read {"hour": 1, "minute": 53}
